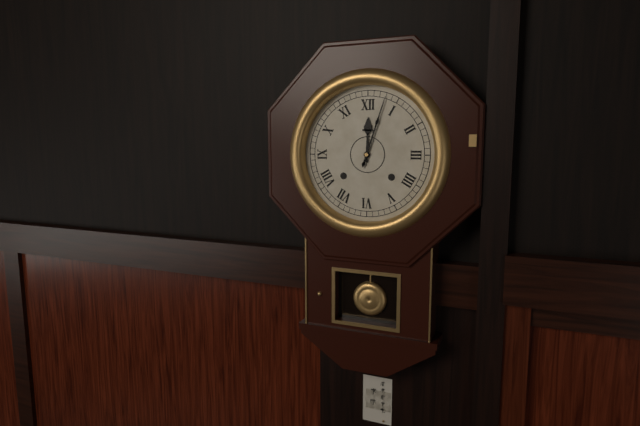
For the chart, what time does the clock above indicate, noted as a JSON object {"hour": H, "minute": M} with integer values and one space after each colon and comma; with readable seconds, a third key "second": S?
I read {"hour": 12, "minute": 3}
